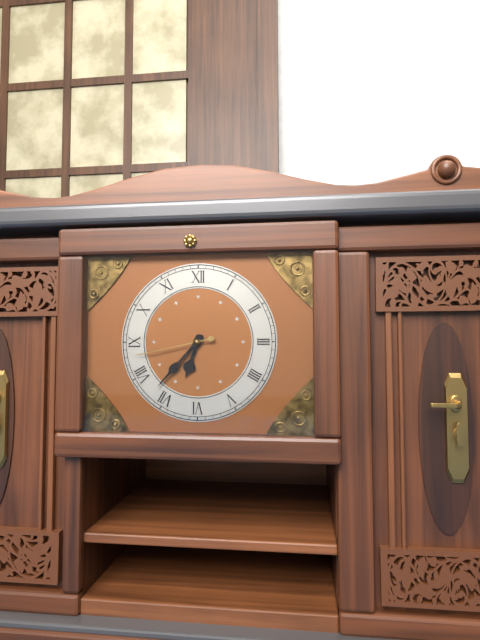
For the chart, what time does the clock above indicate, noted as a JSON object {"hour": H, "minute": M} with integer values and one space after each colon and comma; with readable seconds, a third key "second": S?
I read {"hour": 6, "minute": 37, "second": 43}
